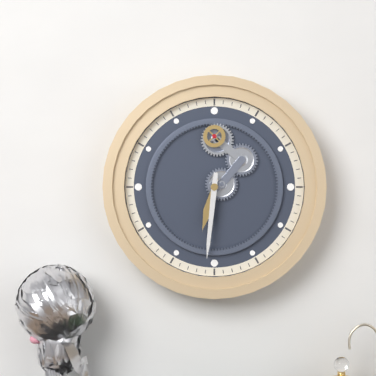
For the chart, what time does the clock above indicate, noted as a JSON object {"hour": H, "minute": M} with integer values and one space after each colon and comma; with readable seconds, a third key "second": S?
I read {"hour": 6, "minute": 31}
